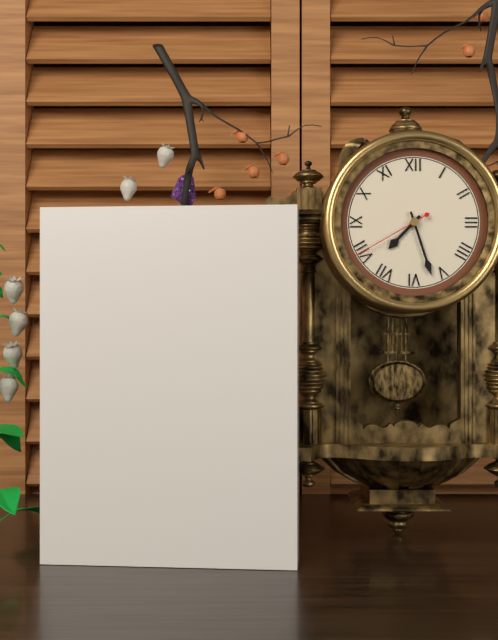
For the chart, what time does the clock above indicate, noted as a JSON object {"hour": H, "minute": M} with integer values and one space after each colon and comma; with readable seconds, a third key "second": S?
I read {"hour": 7, "minute": 27, "second": 40}
